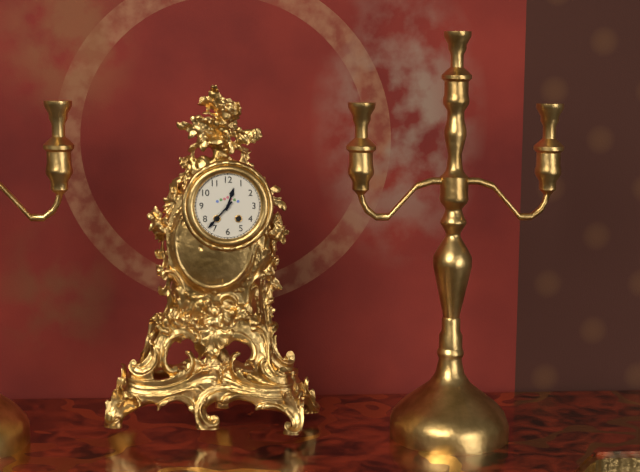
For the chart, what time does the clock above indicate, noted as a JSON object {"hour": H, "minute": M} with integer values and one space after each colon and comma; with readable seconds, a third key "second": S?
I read {"hour": 12, "minute": 37}
